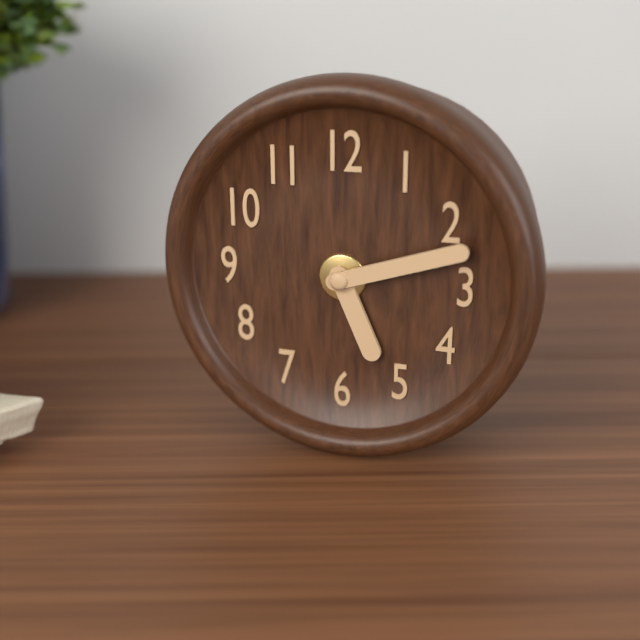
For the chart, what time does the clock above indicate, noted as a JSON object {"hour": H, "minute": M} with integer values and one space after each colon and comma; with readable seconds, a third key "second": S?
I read {"hour": 5, "minute": 12}
